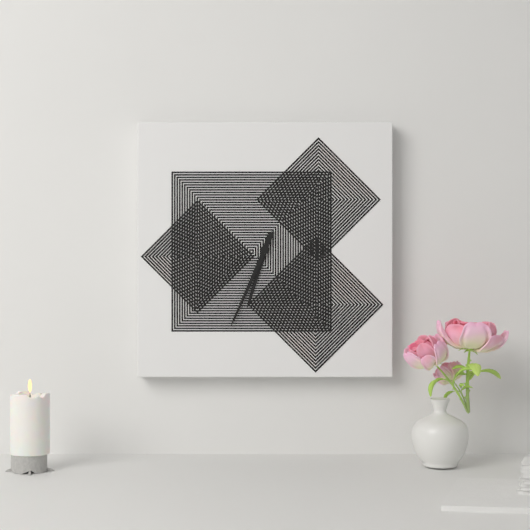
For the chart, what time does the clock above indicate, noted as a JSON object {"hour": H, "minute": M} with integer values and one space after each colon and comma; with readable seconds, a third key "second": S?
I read {"hour": 6, "minute": 34}
